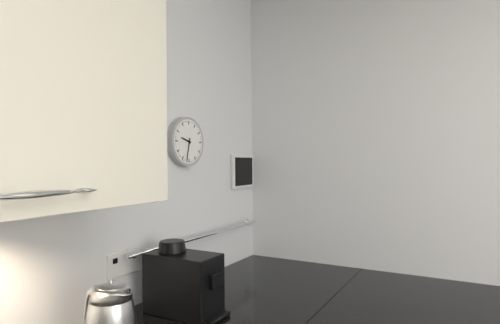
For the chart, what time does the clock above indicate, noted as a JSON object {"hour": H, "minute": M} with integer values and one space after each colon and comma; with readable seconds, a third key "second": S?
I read {"hour": 9, "minute": 32}
